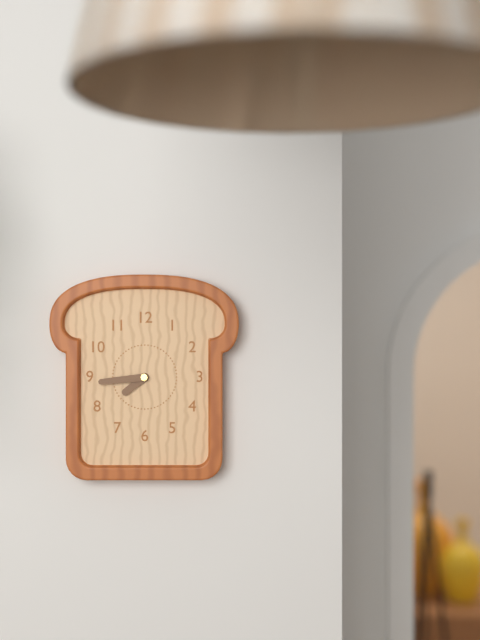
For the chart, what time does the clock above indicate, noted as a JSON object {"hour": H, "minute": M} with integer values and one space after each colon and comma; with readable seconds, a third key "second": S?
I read {"hour": 7, "minute": 44}
